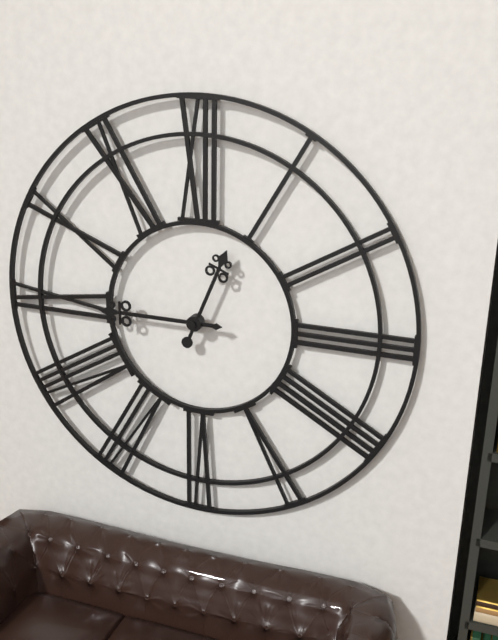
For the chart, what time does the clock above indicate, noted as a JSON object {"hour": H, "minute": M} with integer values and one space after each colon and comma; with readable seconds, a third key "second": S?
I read {"hour": 12, "minute": 45}
